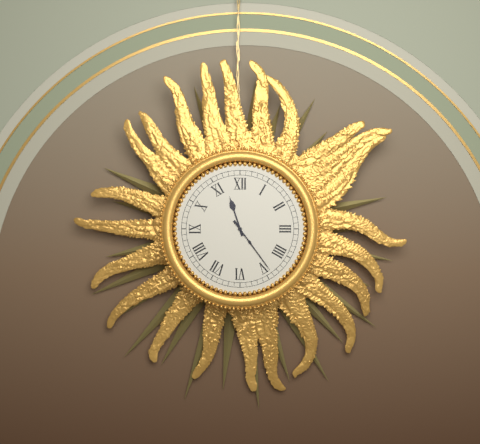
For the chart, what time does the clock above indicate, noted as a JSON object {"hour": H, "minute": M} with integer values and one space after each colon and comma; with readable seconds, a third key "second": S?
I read {"hour": 11, "minute": 24}
